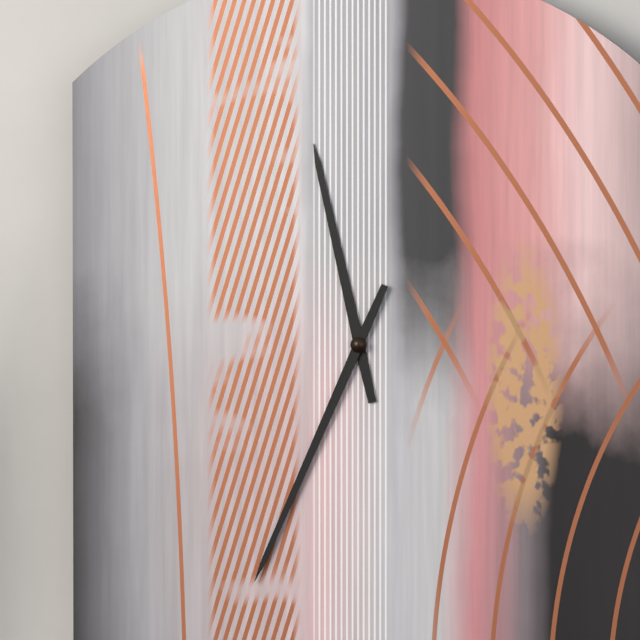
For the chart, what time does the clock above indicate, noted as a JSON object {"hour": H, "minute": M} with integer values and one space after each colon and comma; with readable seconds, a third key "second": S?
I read {"hour": 11, "minute": 34}
